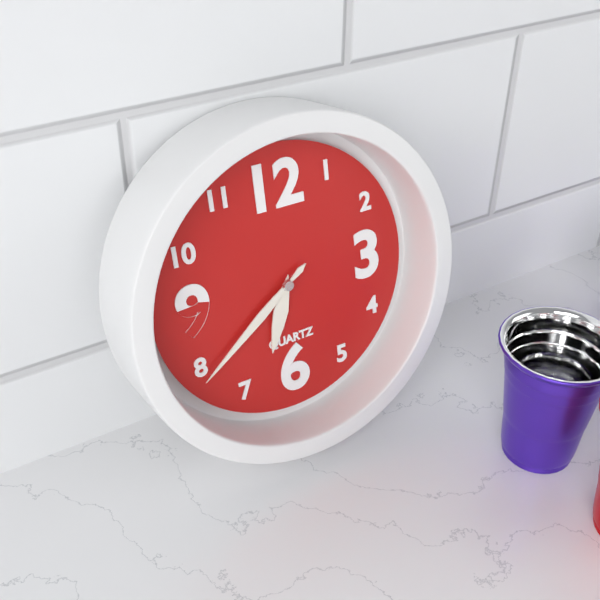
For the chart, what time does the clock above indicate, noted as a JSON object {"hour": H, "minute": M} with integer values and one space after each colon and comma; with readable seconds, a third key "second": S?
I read {"hour": 6, "minute": 39}
